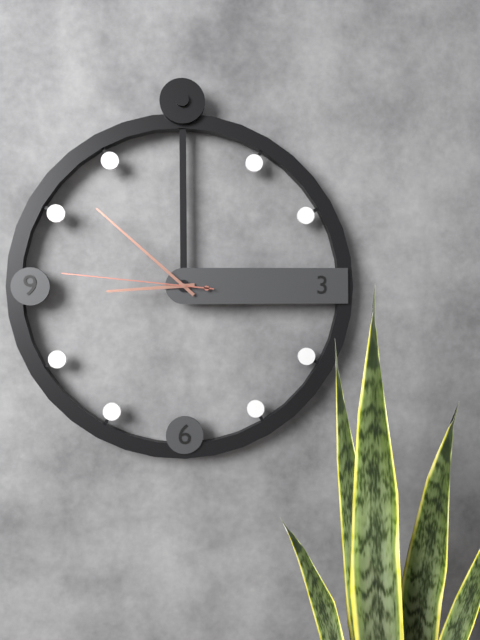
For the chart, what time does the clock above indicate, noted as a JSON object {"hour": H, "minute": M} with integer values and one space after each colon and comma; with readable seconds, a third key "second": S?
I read {"hour": 8, "minute": 52, "second": 46}
